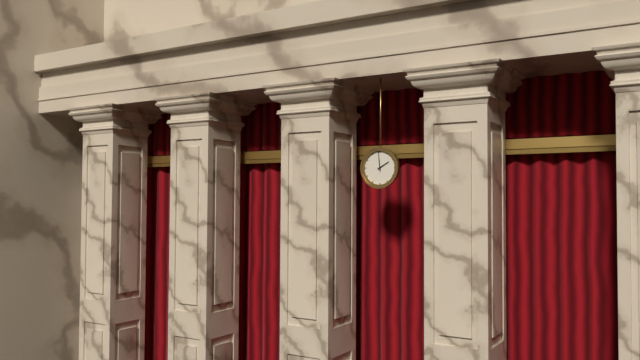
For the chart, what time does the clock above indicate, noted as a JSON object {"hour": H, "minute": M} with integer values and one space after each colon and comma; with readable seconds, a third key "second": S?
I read {"hour": 1, "minute": 59}
